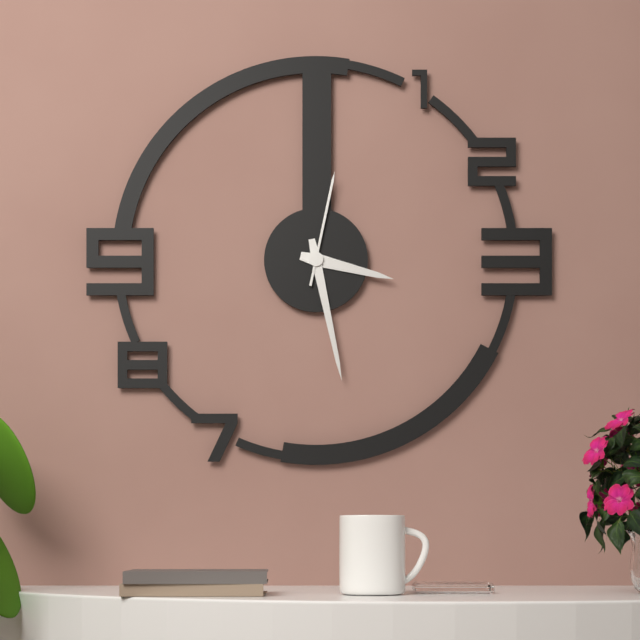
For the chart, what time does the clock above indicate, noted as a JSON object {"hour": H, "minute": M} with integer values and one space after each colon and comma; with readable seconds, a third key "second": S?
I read {"hour": 3, "minute": 28, "second": 2}
